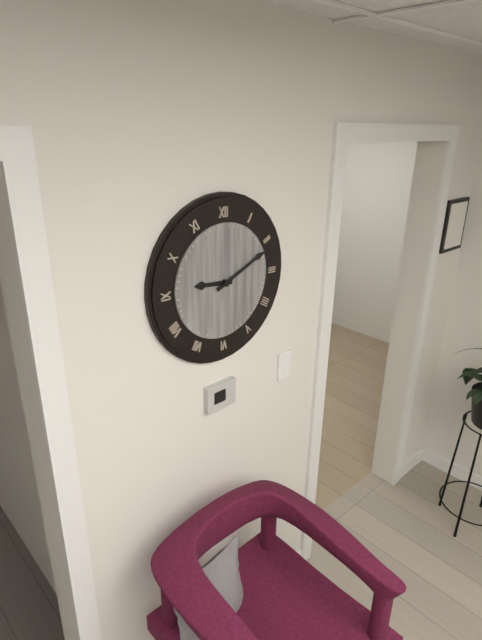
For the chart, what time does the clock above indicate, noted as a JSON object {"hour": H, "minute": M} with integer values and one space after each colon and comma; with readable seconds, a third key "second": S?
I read {"hour": 9, "minute": 11}
